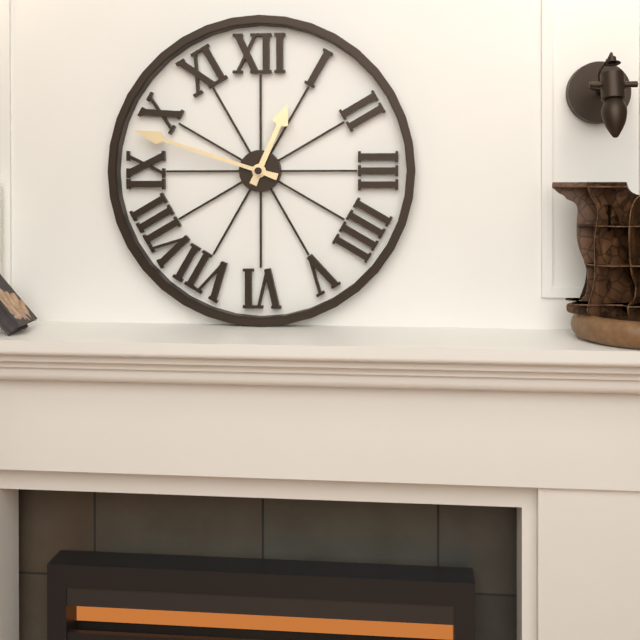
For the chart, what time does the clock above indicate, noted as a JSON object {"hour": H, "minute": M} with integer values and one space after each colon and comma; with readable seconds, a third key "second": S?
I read {"hour": 12, "minute": 48}
